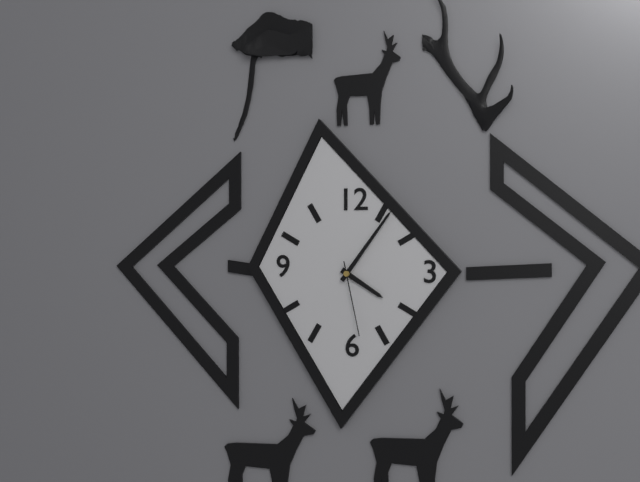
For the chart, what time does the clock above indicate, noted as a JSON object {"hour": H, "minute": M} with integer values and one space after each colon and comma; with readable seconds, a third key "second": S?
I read {"hour": 4, "minute": 6, "second": 28}
